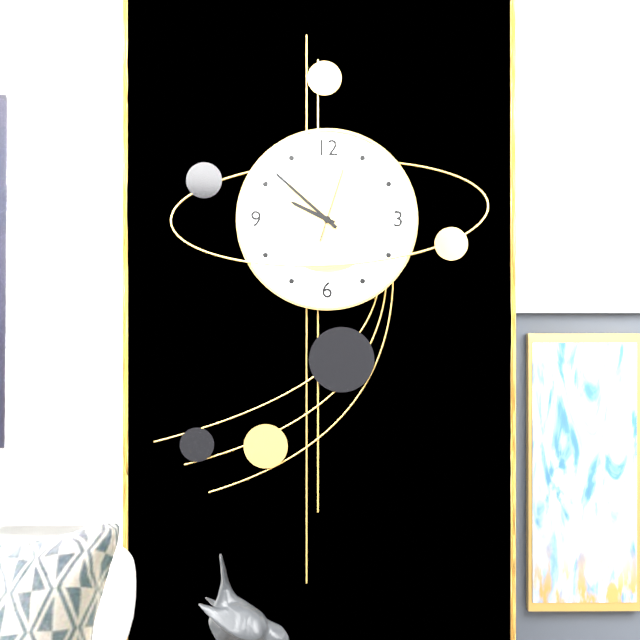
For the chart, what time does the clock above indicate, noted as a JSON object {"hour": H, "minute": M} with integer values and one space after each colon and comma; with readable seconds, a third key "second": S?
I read {"hour": 9, "minute": 52, "second": 3}
